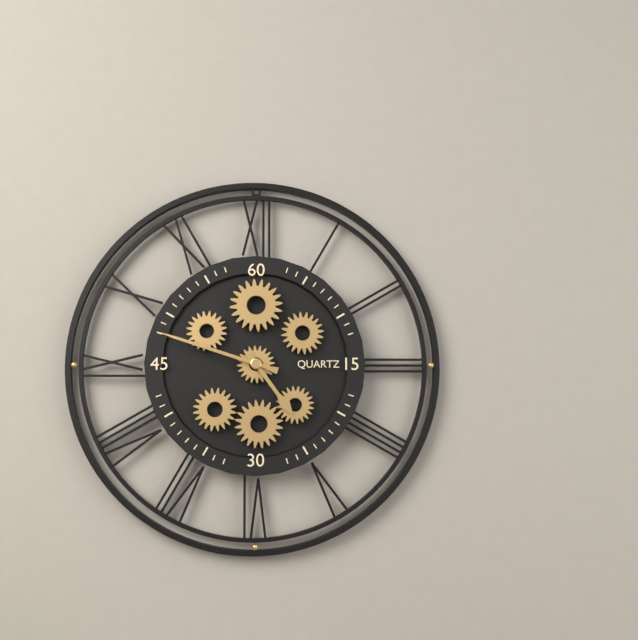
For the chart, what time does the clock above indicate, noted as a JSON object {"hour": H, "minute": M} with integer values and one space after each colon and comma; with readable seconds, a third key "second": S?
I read {"hour": 4, "minute": 48}
